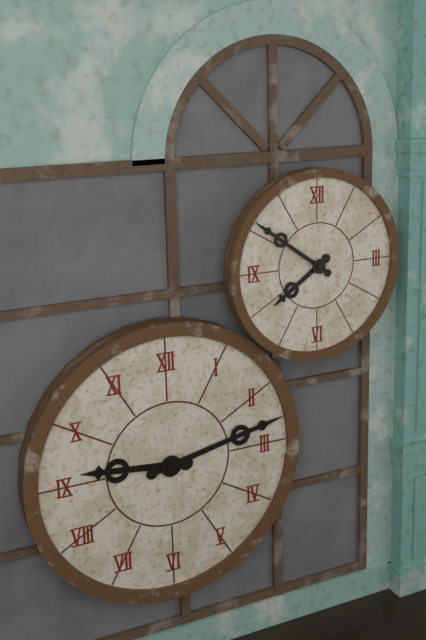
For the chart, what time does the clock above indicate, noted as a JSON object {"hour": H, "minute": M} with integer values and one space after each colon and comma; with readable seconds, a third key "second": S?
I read {"hour": 7, "minute": 51}
